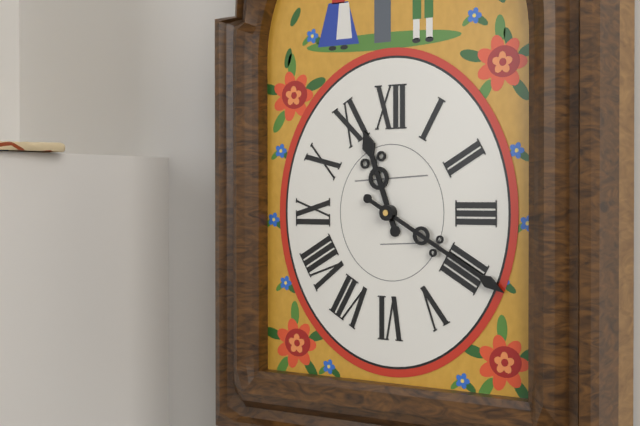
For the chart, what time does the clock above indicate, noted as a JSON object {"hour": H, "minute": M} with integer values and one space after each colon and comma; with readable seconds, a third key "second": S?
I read {"hour": 11, "minute": 20}
